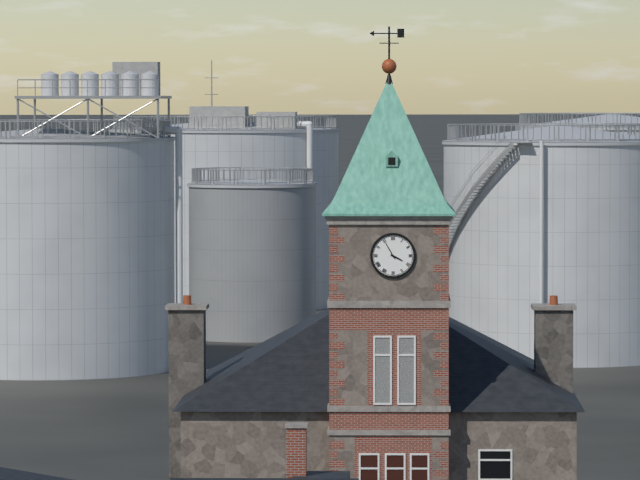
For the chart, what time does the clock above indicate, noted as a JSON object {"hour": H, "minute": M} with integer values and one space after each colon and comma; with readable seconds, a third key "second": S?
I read {"hour": 3, "minute": 55}
